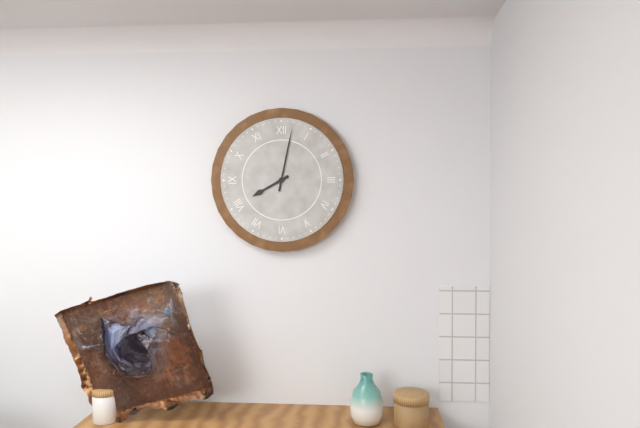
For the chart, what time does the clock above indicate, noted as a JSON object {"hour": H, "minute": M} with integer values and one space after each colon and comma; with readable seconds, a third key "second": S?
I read {"hour": 8, "minute": 2}
